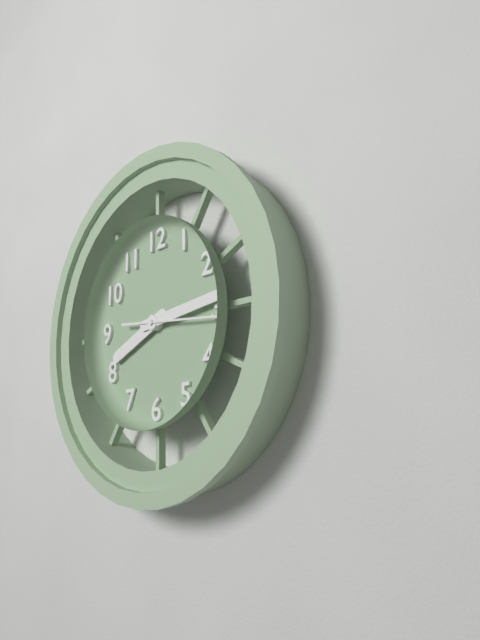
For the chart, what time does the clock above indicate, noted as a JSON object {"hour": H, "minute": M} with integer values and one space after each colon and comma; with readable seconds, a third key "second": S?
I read {"hour": 8, "minute": 14, "second": 16}
